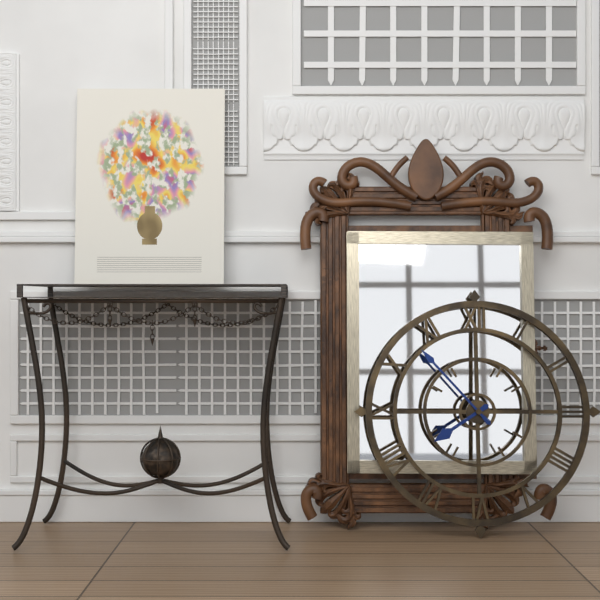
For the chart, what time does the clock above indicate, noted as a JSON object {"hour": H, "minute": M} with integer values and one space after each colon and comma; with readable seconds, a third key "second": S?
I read {"hour": 7, "minute": 53}
